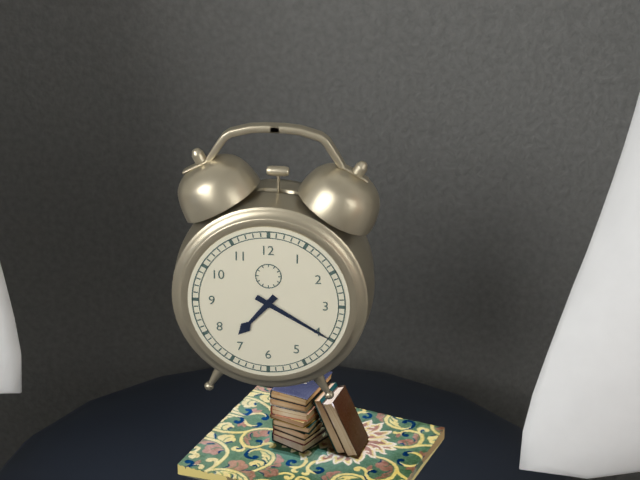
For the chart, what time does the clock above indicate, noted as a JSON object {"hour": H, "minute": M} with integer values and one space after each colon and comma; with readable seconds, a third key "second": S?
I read {"hour": 7, "minute": 20}
